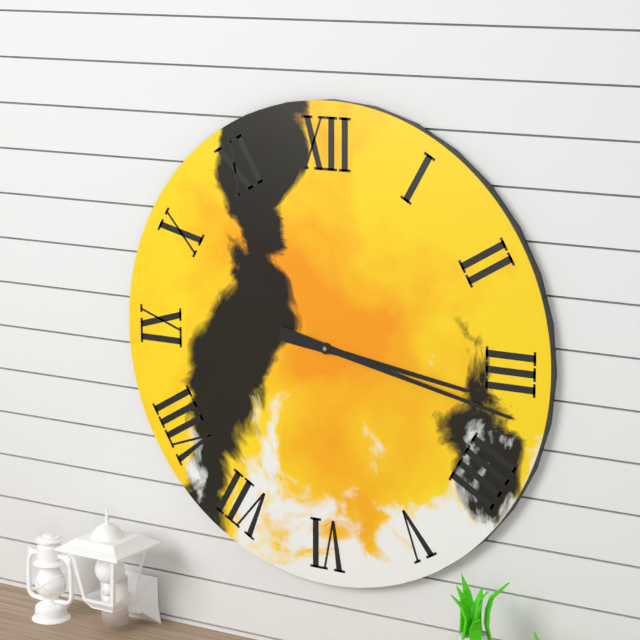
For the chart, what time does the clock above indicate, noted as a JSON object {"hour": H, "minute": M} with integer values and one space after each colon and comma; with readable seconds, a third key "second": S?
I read {"hour": 3, "minute": 17}
